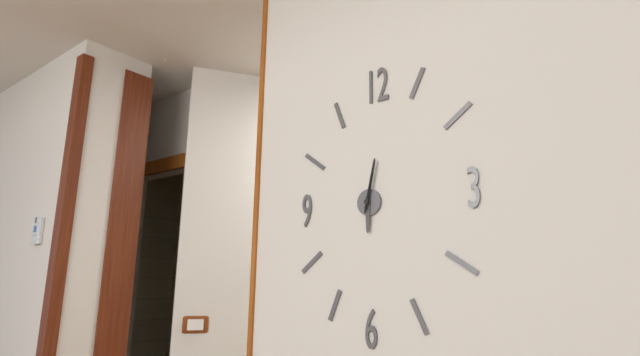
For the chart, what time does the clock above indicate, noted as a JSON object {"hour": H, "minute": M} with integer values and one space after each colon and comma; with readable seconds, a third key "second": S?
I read {"hour": 6, "minute": 2}
